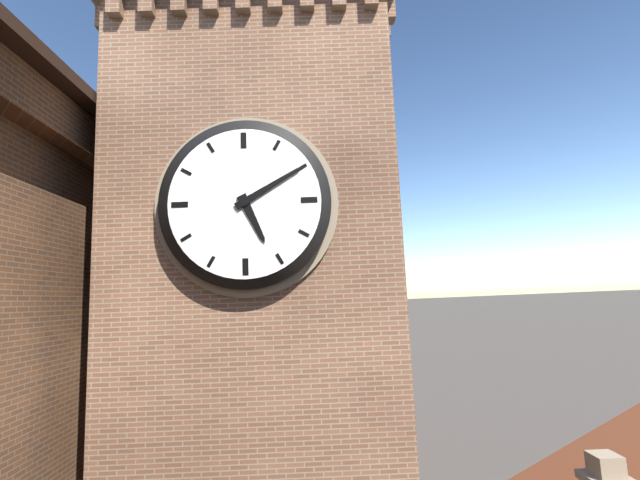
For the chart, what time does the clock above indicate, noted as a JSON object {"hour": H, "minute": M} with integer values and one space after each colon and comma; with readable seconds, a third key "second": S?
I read {"hour": 5, "minute": 10}
